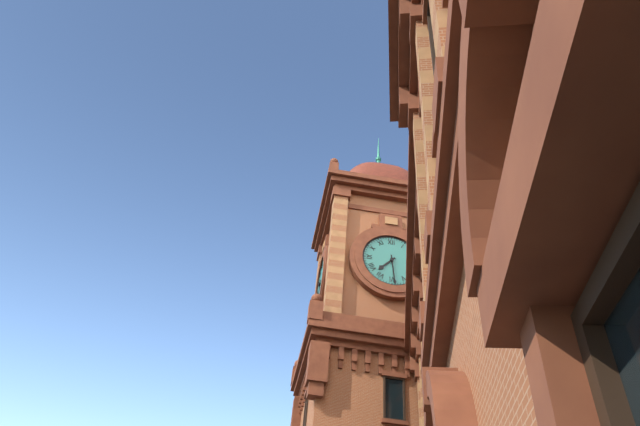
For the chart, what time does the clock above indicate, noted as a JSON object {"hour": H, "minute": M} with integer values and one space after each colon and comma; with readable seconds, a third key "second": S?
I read {"hour": 7, "minute": 29}
